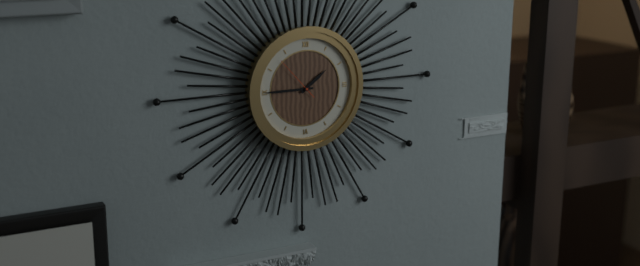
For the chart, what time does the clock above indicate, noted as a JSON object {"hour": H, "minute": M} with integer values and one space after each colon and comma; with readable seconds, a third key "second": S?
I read {"hour": 1, "minute": 45}
